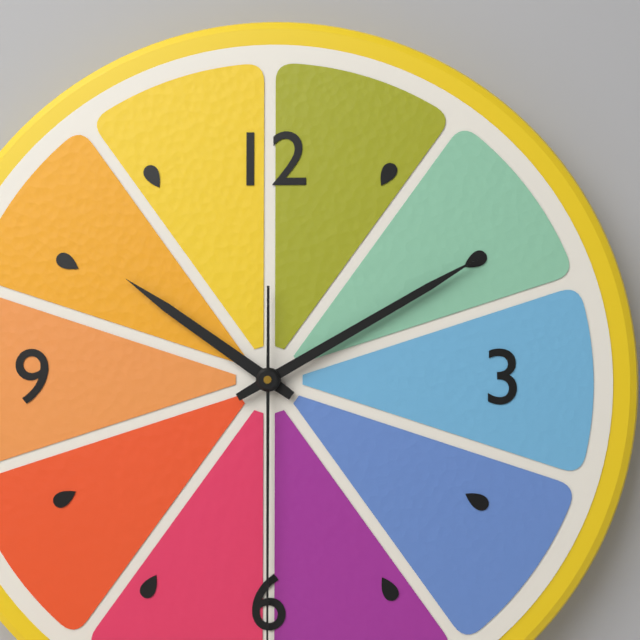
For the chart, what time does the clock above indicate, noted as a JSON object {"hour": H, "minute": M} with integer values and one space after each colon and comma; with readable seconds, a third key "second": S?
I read {"hour": 10, "minute": 10}
